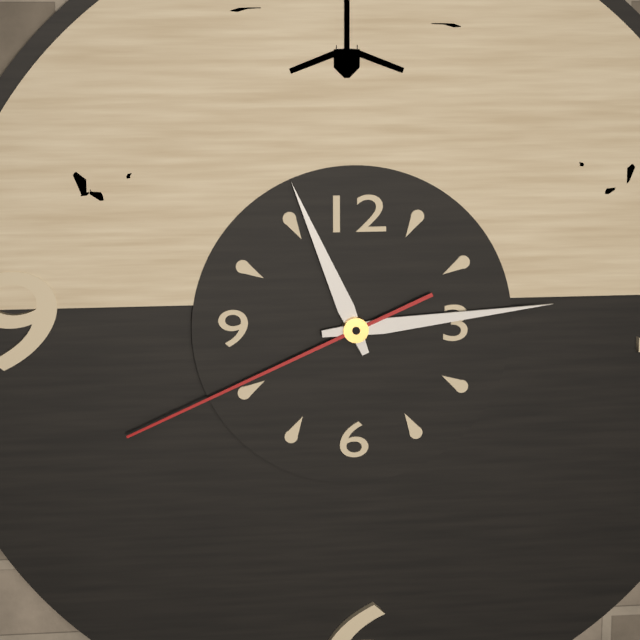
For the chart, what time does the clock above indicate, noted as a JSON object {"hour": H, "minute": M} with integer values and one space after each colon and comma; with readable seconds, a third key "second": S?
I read {"hour": 11, "minute": 14, "second": 41}
